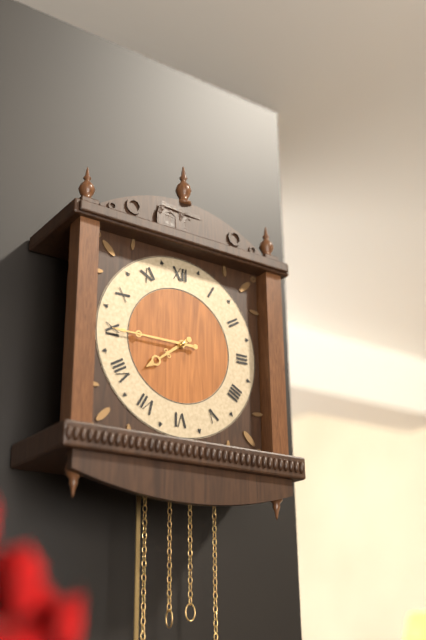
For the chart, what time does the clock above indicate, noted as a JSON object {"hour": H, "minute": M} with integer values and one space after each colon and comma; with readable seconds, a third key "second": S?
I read {"hour": 7, "minute": 45}
